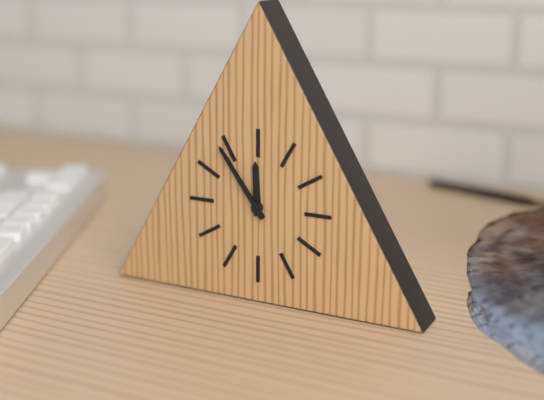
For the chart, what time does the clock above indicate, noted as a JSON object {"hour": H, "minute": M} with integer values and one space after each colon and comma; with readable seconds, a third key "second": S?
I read {"hour": 11, "minute": 54}
